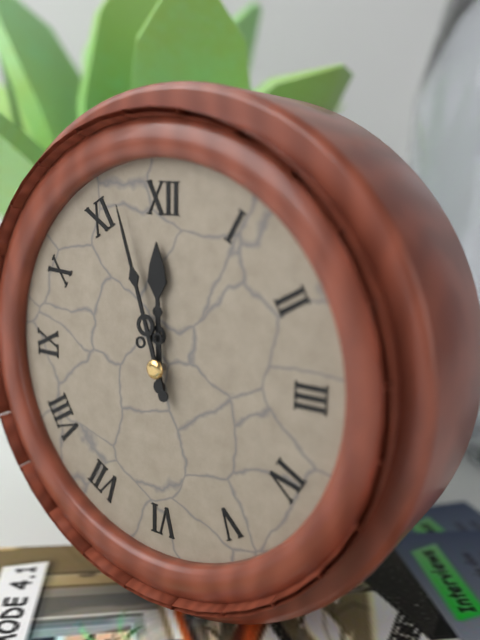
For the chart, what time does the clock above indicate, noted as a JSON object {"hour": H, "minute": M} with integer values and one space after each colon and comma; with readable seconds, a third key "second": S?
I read {"hour": 11, "minute": 57}
